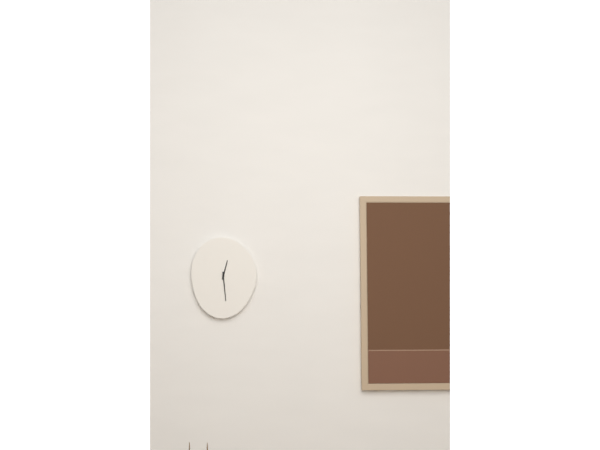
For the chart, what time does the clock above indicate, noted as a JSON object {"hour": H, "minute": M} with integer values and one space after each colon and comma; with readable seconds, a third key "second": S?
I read {"hour": 12, "minute": 29}
